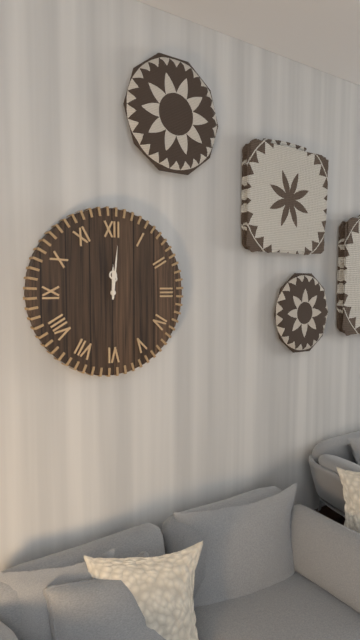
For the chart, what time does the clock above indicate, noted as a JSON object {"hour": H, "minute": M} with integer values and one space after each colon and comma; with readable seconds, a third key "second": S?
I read {"hour": 12, "minute": 1}
